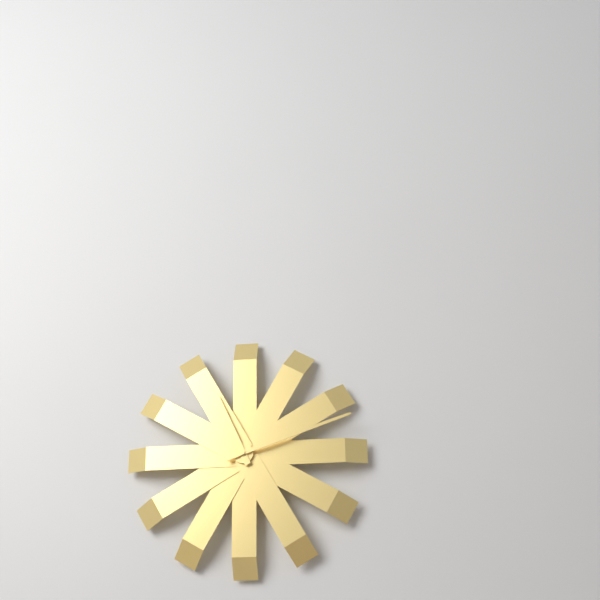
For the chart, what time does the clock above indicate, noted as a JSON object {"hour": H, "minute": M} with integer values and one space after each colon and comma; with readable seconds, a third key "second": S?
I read {"hour": 11, "minute": 12}
